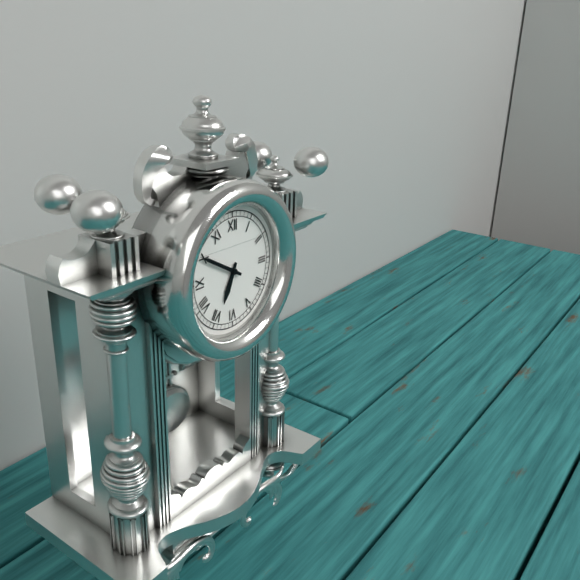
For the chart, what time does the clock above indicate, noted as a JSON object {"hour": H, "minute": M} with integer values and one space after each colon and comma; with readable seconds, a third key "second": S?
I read {"hour": 6, "minute": 50}
